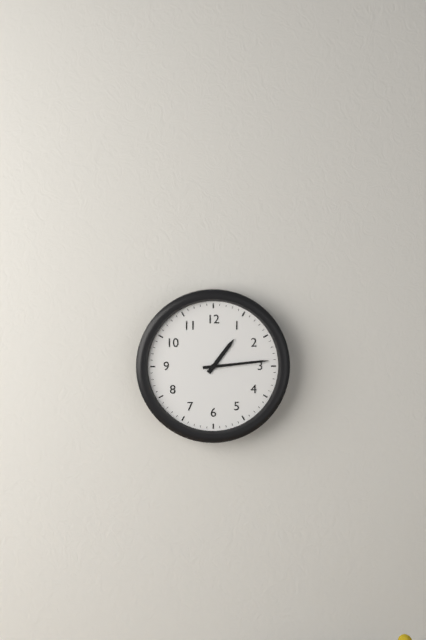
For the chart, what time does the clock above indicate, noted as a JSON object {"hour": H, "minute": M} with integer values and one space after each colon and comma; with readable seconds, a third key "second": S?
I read {"hour": 1, "minute": 14}
